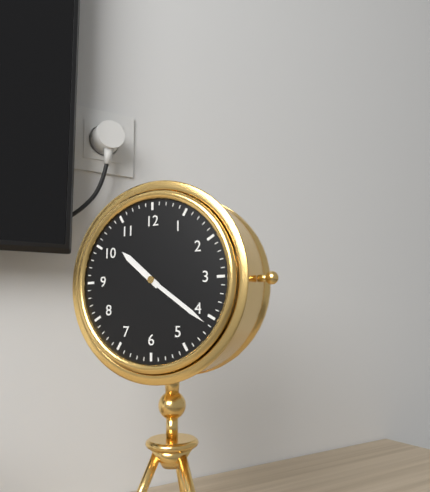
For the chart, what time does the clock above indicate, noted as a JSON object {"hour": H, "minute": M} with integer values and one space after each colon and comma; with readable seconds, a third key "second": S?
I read {"hour": 10, "minute": 21}
